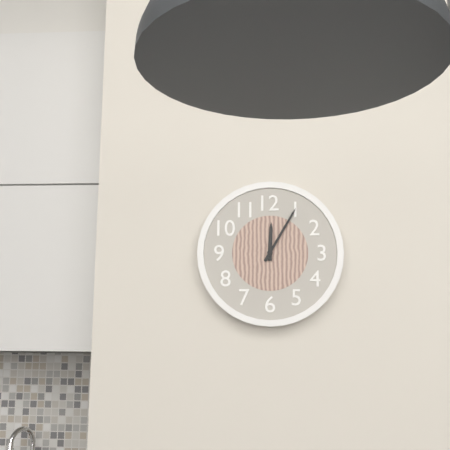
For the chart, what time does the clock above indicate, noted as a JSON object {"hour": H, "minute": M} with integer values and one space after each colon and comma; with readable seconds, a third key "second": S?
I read {"hour": 12, "minute": 5}
